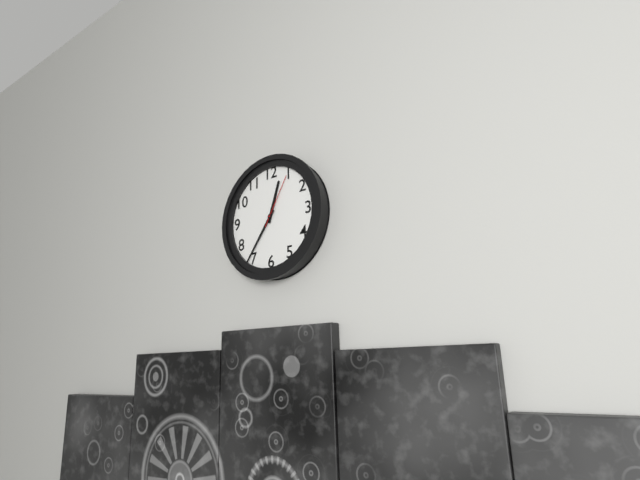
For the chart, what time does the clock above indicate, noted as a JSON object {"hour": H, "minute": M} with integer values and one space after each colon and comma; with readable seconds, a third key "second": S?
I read {"hour": 12, "minute": 36, "second": 5}
